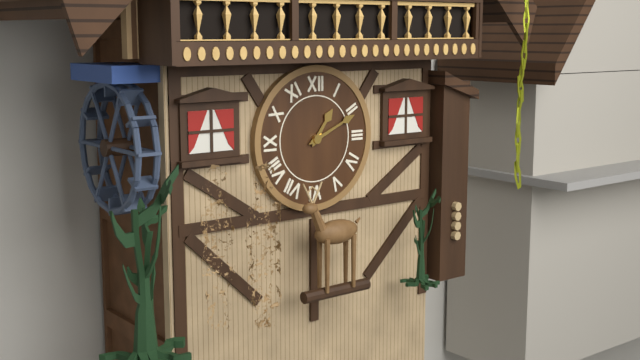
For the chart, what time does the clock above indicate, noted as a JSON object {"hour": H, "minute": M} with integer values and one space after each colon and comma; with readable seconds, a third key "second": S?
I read {"hour": 1, "minute": 11}
